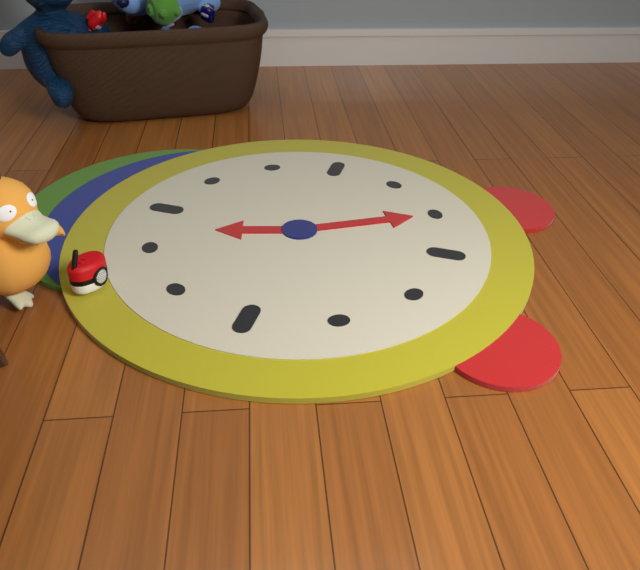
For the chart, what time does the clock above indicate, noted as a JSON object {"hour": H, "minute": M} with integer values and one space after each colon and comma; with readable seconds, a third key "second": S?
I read {"hour": 11, "minute": 25}
